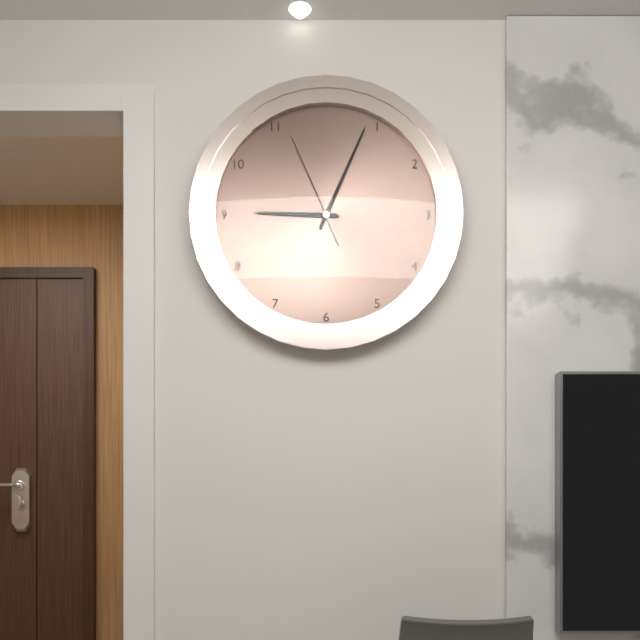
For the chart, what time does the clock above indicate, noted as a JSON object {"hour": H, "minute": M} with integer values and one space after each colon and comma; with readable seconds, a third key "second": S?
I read {"hour": 9, "minute": 4, "second": 56}
